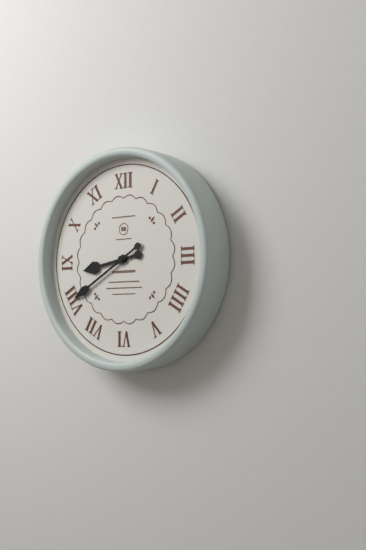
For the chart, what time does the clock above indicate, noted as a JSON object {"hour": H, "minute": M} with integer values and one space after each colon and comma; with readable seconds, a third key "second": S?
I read {"hour": 8, "minute": 40}
